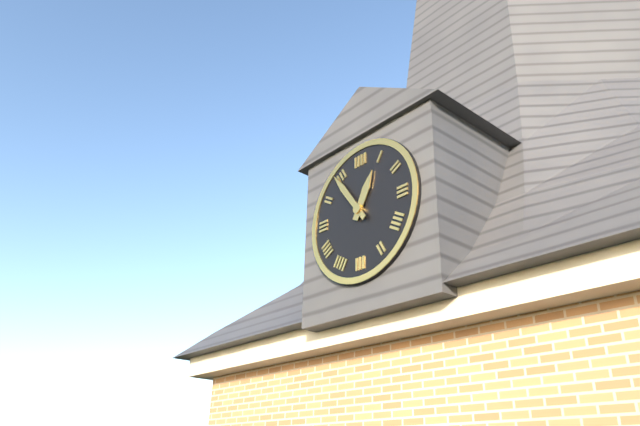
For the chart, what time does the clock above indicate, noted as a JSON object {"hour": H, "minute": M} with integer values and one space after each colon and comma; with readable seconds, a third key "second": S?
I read {"hour": 12, "minute": 54}
